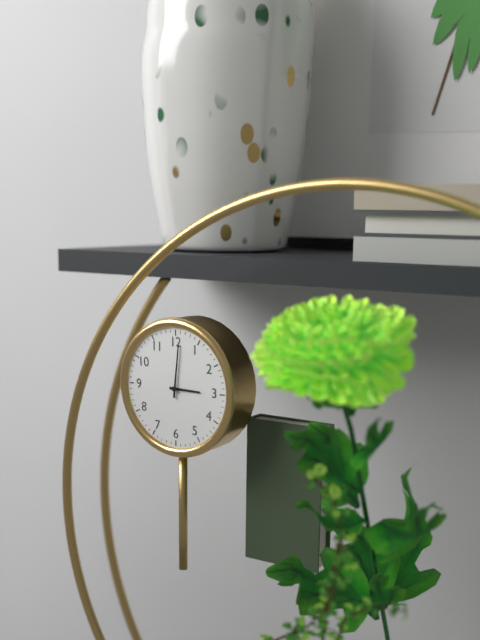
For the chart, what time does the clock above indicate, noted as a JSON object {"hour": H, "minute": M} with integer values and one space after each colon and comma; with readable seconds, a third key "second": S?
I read {"hour": 3, "minute": 1}
